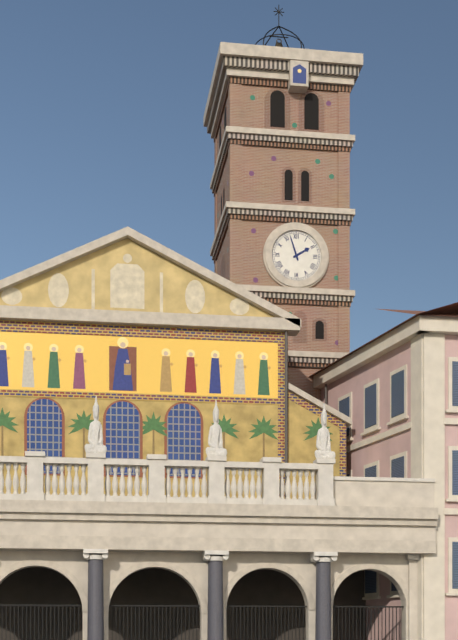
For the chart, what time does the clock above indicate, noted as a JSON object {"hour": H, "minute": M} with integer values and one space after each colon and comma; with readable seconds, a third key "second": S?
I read {"hour": 1, "minute": 57}
